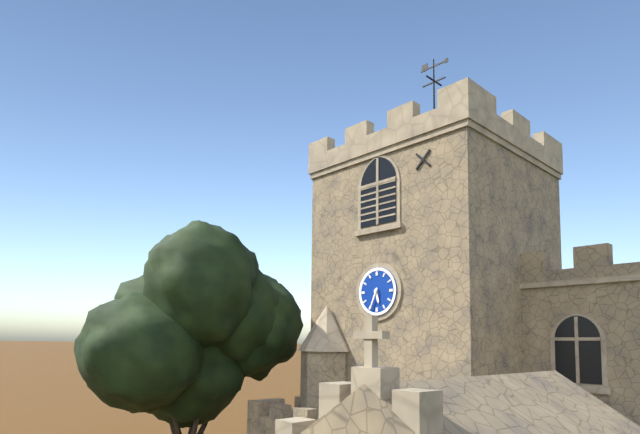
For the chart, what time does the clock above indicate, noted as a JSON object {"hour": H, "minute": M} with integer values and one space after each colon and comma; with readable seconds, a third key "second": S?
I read {"hour": 5, "minute": 34}
